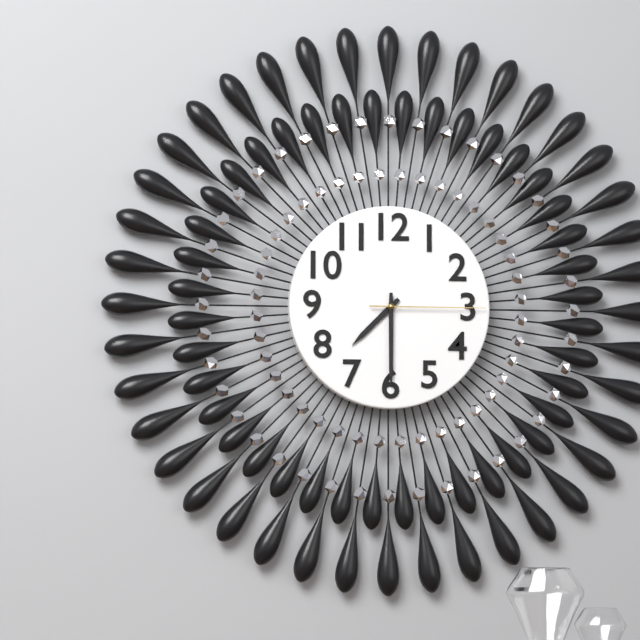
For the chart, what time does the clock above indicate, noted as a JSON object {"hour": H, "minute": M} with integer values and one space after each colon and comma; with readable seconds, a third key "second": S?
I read {"hour": 7, "minute": 30, "second": 15}
